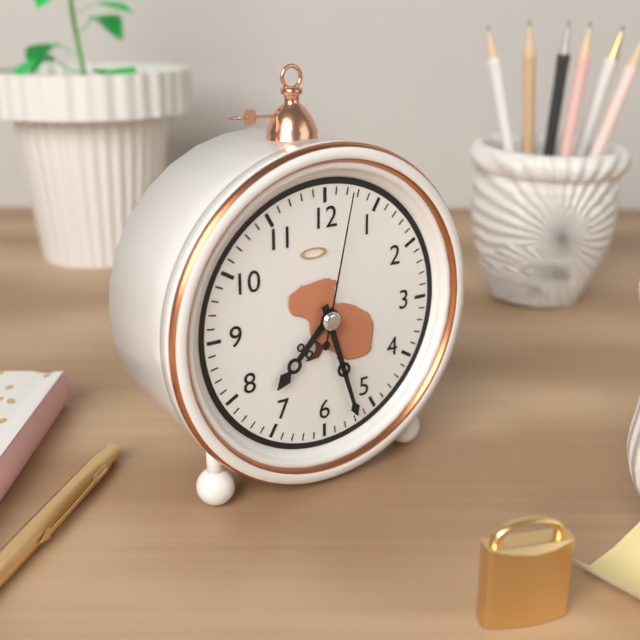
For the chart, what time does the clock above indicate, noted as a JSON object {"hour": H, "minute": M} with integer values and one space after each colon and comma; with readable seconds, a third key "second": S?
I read {"hour": 7, "minute": 27, "second": 2}
